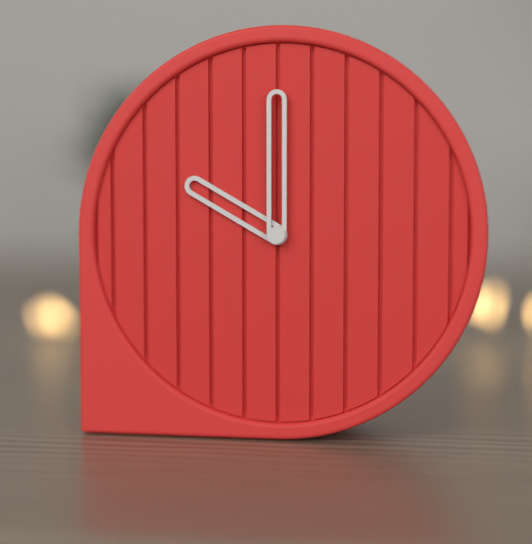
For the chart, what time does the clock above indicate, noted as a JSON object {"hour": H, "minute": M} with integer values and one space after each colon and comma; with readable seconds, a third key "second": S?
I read {"hour": 10, "minute": 0}
